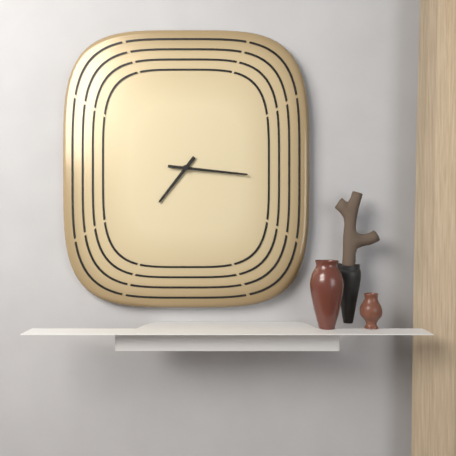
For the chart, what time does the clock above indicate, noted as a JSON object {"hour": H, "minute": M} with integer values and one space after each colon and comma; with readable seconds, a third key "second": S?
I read {"hour": 7, "minute": 16}
